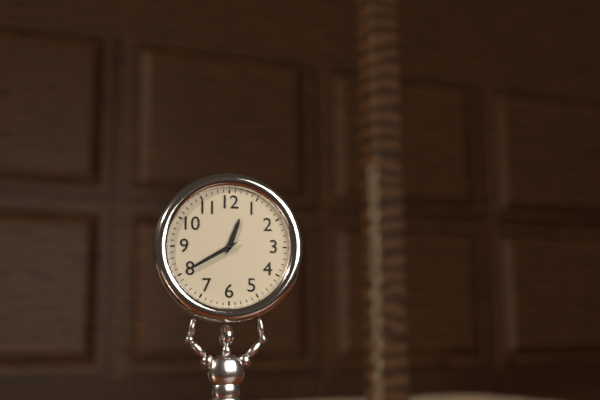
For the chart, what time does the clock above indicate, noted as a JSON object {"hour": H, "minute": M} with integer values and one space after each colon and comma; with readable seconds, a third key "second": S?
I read {"hour": 12, "minute": 40}
